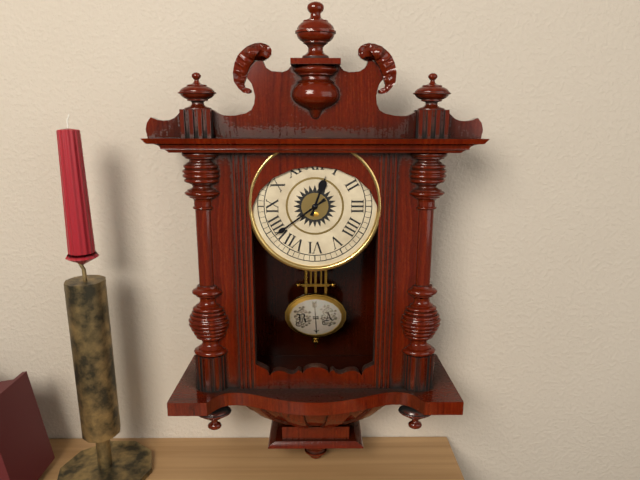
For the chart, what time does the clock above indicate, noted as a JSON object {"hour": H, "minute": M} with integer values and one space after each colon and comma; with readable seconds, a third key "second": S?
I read {"hour": 12, "minute": 39}
